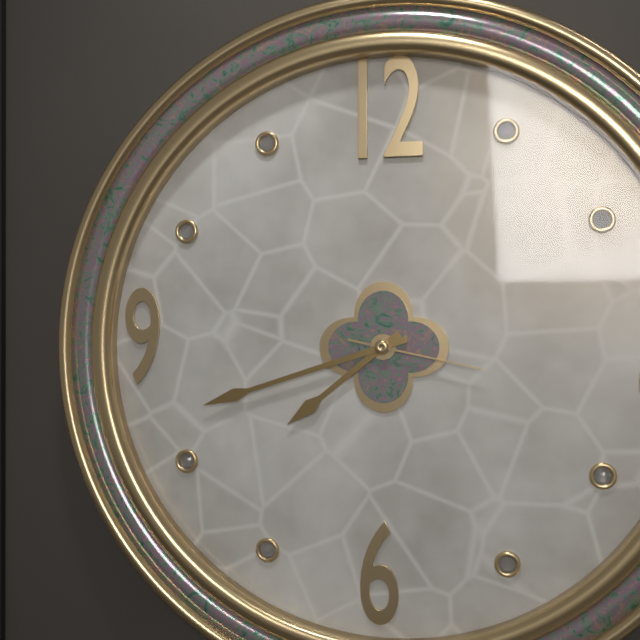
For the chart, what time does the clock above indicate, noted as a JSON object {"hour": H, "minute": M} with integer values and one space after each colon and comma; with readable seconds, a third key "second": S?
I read {"hour": 7, "minute": 42, "second": 17}
